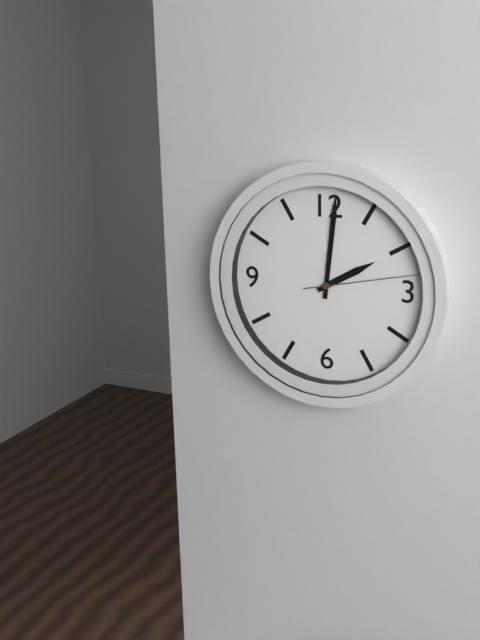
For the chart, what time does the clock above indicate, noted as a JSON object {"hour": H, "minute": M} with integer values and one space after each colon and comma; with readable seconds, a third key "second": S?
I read {"hour": 2, "minute": 1, "second": 13}
